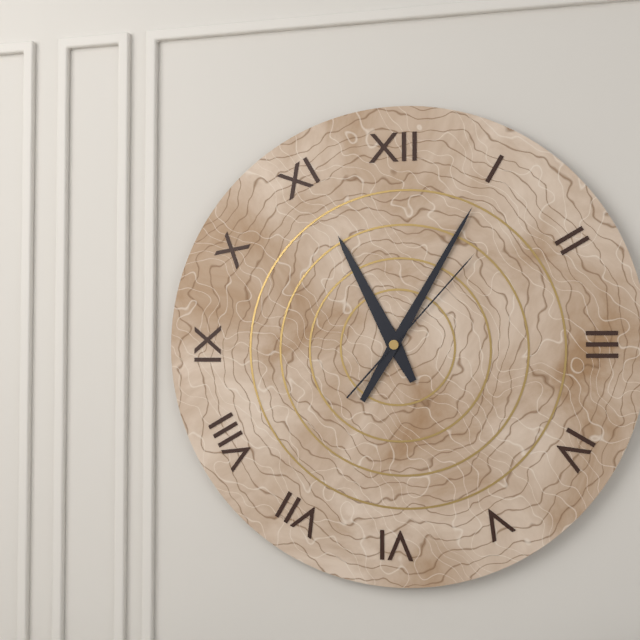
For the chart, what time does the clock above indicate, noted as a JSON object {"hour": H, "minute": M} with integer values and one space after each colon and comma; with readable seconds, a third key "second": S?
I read {"hour": 11, "minute": 5, "second": 7}
